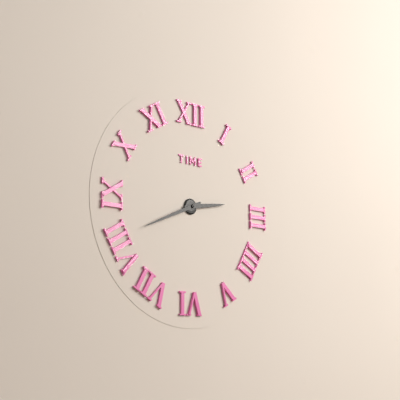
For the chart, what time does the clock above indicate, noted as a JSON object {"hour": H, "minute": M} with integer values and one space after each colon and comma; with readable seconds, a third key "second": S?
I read {"hour": 2, "minute": 41}
